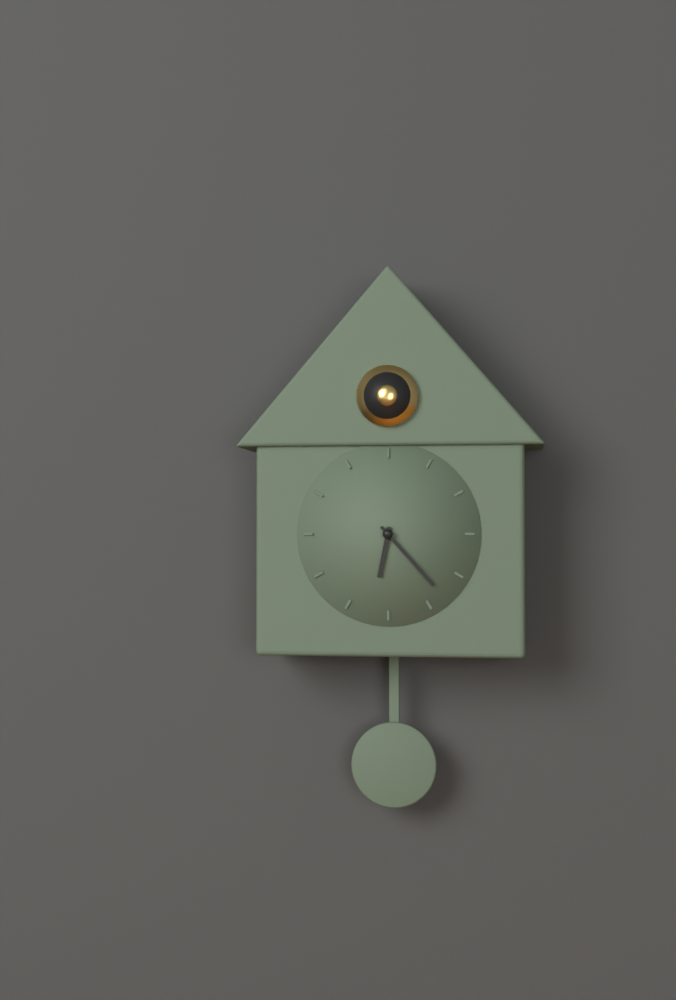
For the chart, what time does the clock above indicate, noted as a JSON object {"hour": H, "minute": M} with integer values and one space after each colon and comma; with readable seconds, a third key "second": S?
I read {"hour": 6, "minute": 23}
